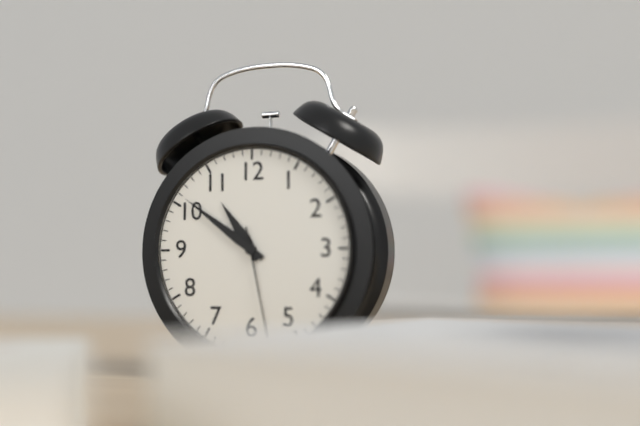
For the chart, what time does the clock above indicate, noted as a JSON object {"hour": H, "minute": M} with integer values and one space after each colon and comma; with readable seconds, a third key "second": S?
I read {"hour": 10, "minute": 51, "second": 28}
